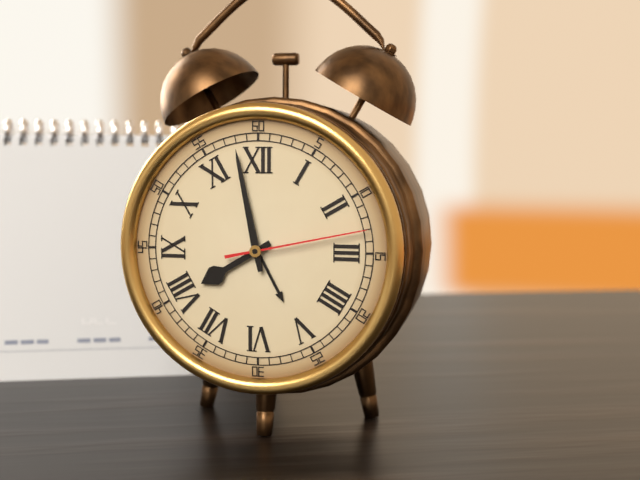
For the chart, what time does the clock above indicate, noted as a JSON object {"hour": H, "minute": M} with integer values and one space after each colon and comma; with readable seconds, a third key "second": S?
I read {"hour": 7, "minute": 58, "second": 13}
